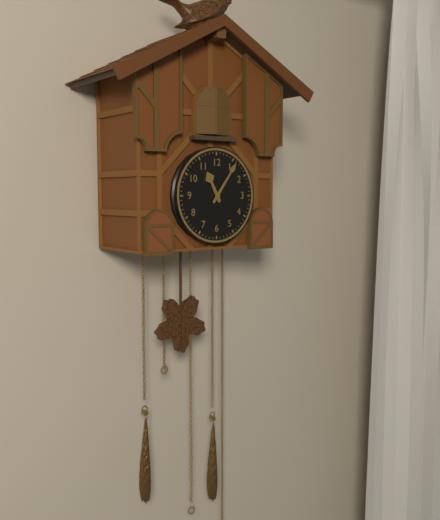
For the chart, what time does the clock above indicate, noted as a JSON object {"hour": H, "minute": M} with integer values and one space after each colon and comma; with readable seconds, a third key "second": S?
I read {"hour": 11, "minute": 6}
